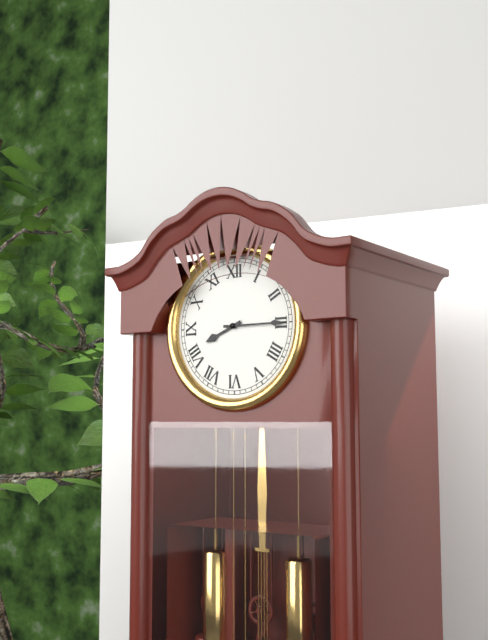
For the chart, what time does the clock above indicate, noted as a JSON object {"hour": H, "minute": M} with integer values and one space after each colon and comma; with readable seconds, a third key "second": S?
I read {"hour": 8, "minute": 15}
